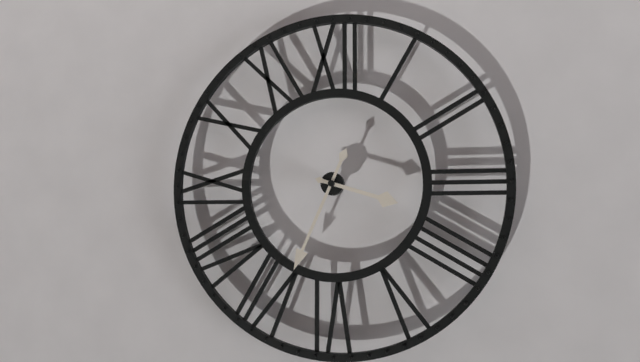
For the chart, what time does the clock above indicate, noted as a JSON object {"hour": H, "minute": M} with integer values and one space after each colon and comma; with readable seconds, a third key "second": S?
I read {"hour": 3, "minute": 34}
